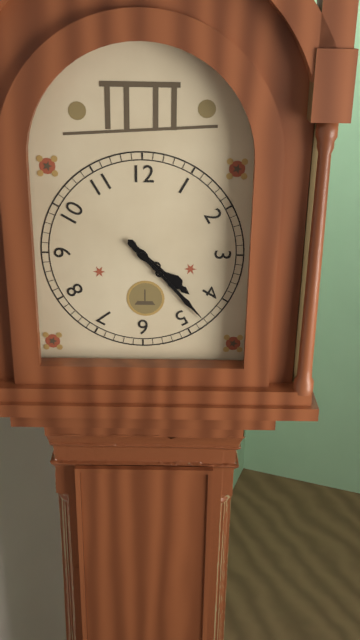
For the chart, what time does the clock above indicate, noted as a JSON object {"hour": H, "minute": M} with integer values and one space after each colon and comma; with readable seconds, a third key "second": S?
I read {"hour": 4, "minute": 23}
